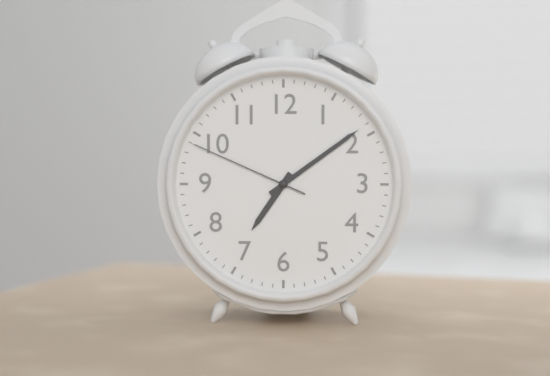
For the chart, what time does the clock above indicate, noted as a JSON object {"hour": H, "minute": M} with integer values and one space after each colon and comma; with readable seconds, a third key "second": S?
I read {"hour": 7, "minute": 9, "second": 49}
